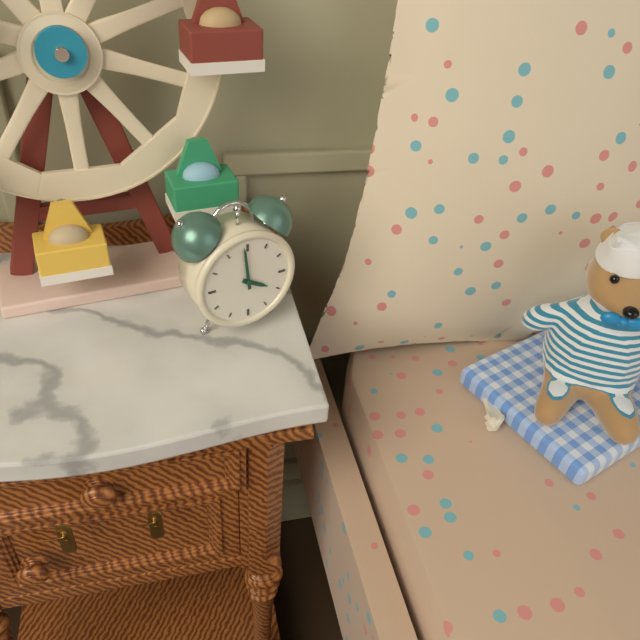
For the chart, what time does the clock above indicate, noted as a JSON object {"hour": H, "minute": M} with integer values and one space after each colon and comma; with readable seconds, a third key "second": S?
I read {"hour": 3, "minute": 59}
